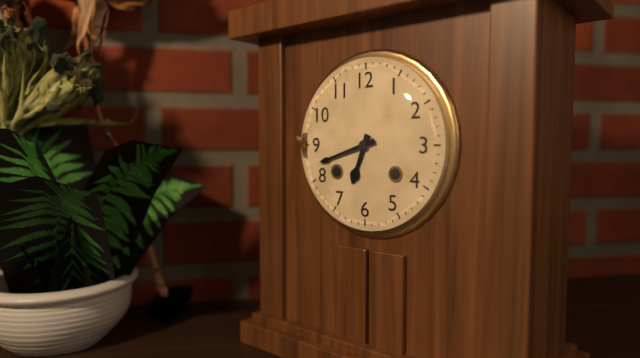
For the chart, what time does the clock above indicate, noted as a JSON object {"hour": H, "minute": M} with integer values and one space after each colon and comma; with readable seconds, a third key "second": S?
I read {"hour": 6, "minute": 42}
